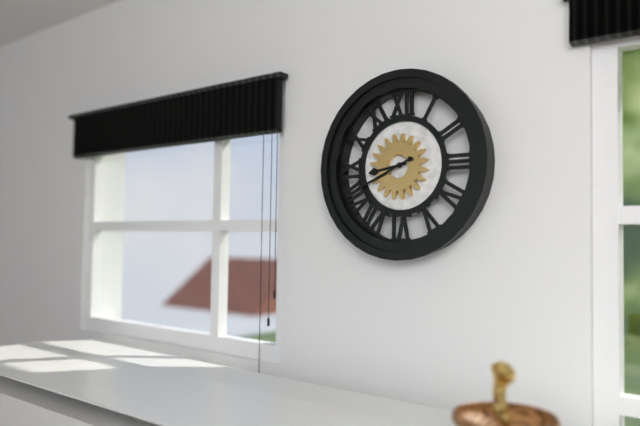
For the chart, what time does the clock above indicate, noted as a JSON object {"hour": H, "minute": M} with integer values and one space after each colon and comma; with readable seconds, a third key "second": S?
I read {"hour": 8, "minute": 41}
